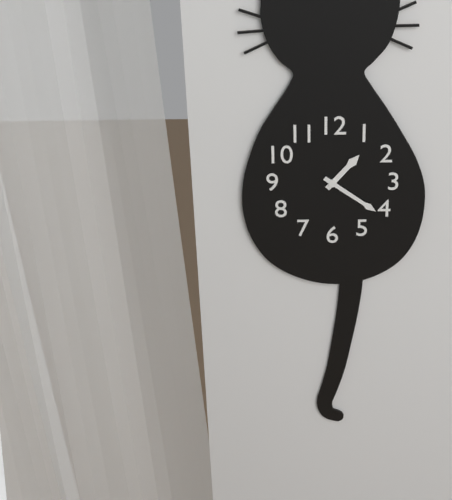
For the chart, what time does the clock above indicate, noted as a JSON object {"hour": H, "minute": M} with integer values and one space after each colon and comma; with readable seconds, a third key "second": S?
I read {"hour": 1, "minute": 21}
